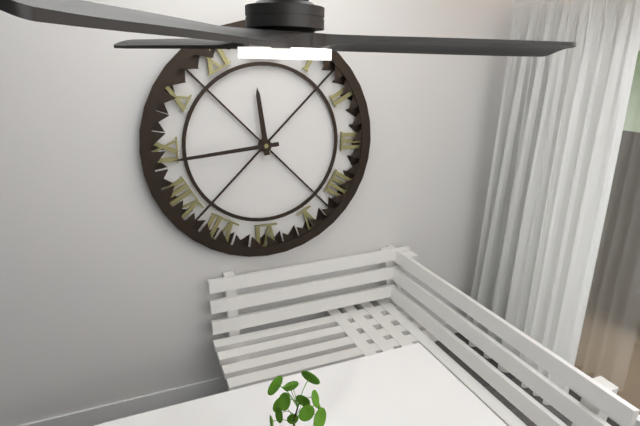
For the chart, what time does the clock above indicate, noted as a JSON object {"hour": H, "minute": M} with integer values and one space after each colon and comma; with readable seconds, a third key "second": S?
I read {"hour": 11, "minute": 44}
